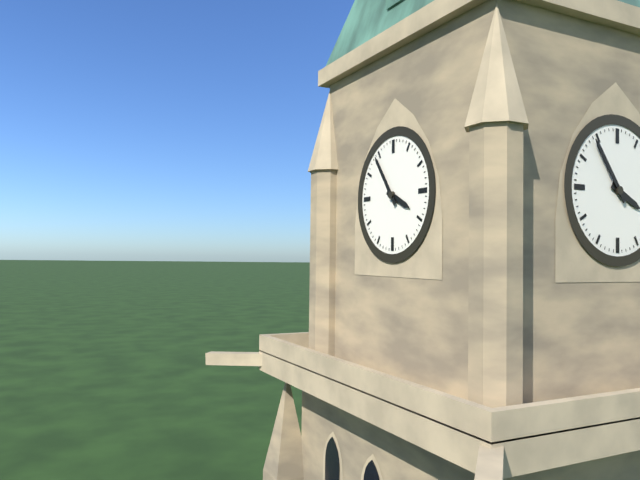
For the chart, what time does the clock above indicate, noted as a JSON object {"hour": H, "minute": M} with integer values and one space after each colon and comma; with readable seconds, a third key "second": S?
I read {"hour": 3, "minute": 54}
